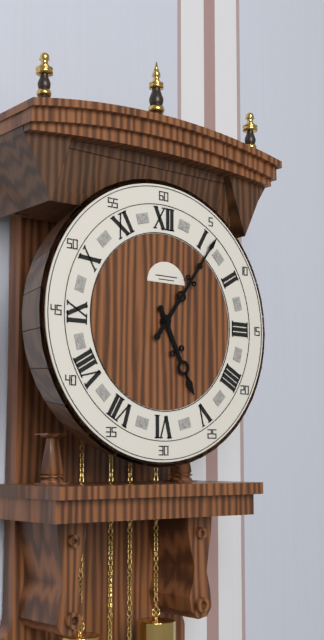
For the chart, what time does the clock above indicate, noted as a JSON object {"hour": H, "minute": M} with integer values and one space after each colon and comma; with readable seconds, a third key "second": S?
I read {"hour": 5, "minute": 6}
